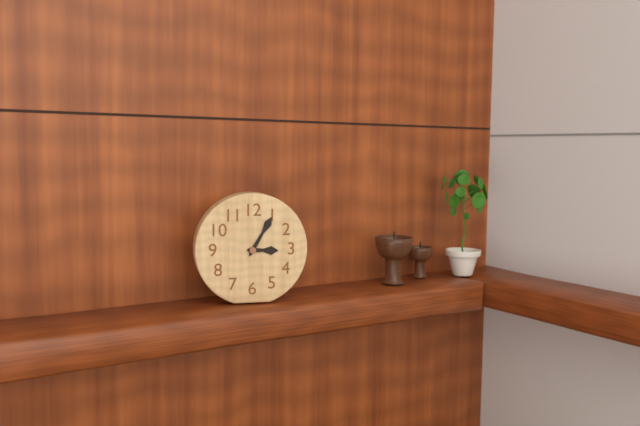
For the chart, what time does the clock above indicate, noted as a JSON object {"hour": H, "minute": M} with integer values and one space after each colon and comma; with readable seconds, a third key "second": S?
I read {"hour": 3, "minute": 5}
